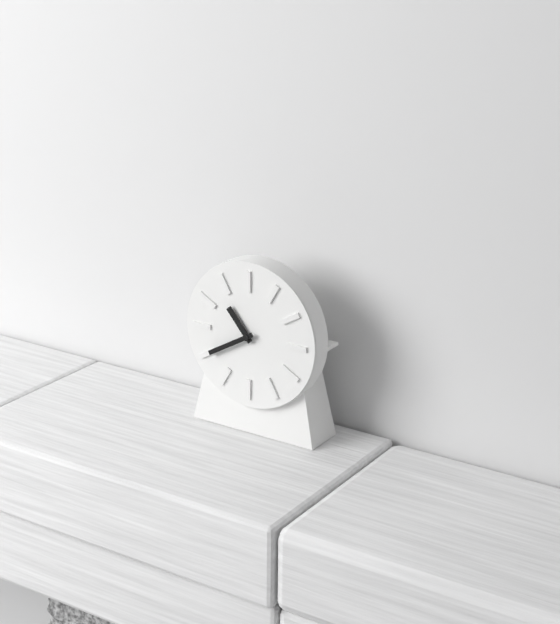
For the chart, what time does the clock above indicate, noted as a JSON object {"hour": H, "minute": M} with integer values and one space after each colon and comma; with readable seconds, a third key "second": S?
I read {"hour": 10, "minute": 40}
